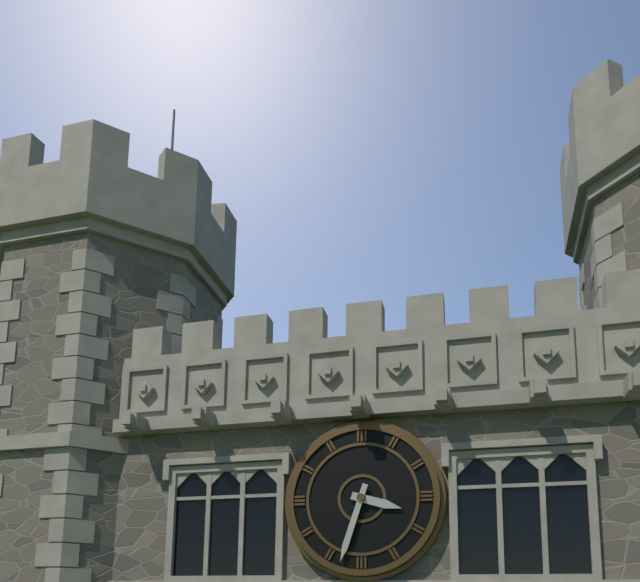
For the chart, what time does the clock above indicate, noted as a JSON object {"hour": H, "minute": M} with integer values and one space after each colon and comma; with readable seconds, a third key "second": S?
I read {"hour": 3, "minute": 33}
